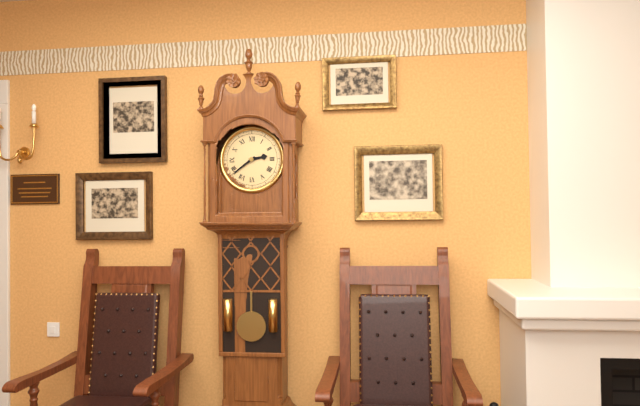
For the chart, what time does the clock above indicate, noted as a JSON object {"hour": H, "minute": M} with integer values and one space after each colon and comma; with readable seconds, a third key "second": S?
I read {"hour": 2, "minute": 39}
